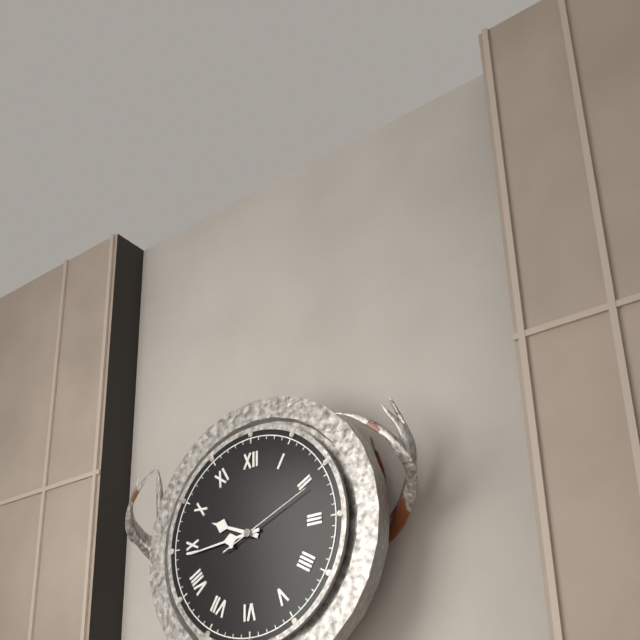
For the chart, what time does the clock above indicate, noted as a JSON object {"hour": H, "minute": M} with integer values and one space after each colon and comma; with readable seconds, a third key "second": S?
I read {"hour": 9, "minute": 44, "second": 11}
